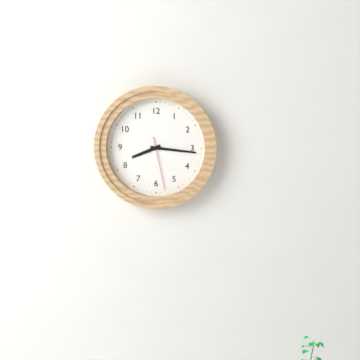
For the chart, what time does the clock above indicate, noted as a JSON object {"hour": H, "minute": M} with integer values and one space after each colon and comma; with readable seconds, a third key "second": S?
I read {"hour": 8, "minute": 16, "second": 28}
